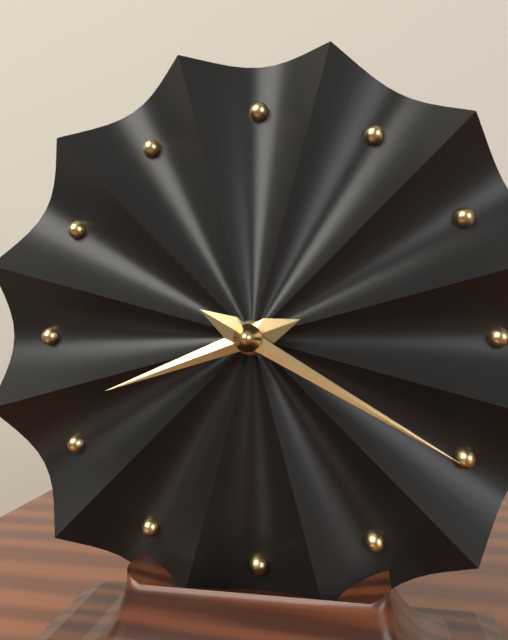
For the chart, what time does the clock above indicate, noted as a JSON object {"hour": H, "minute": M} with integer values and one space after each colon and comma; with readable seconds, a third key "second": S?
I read {"hour": 8, "minute": 20}
